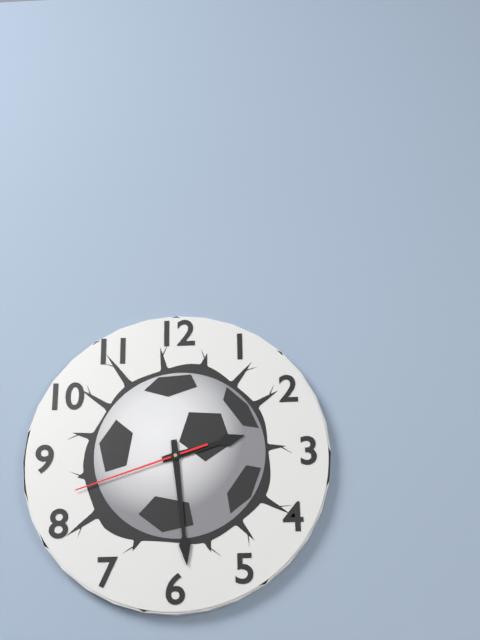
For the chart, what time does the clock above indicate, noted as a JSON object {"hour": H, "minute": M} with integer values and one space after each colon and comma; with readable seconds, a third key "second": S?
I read {"hour": 2, "minute": 29, "second": 42}
